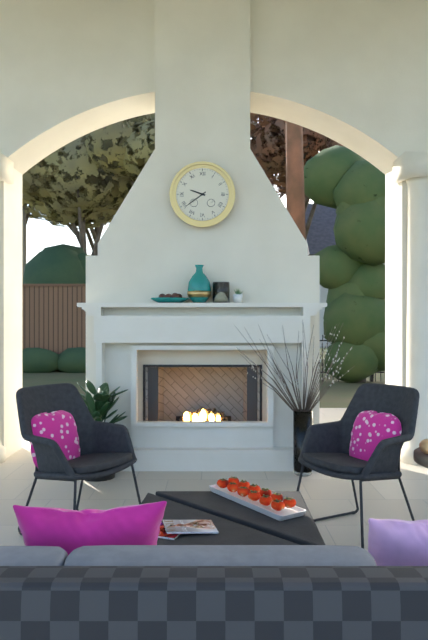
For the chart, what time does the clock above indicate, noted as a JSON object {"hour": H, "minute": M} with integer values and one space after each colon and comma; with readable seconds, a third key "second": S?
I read {"hour": 9, "minute": 39}
